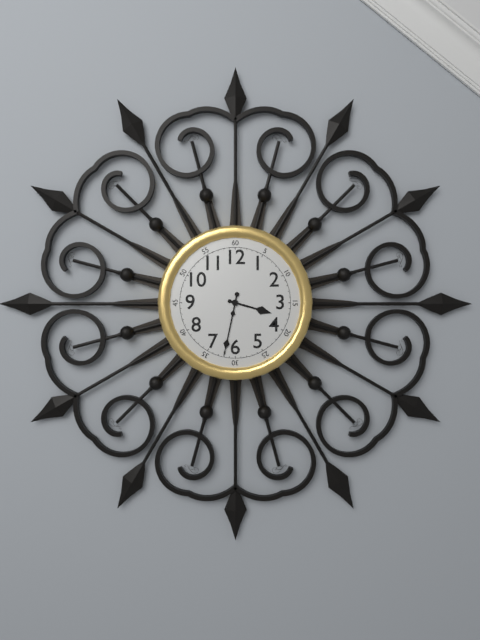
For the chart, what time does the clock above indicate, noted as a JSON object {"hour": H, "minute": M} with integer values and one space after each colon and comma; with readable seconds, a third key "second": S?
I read {"hour": 3, "minute": 32}
